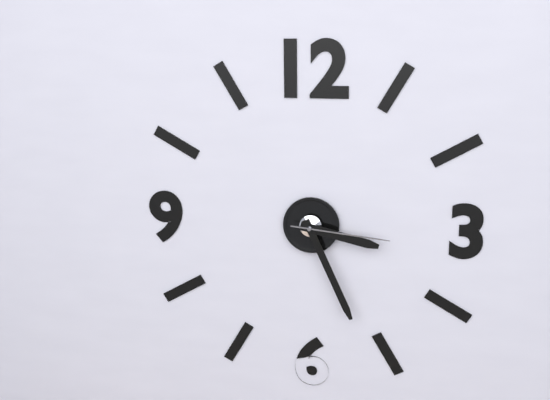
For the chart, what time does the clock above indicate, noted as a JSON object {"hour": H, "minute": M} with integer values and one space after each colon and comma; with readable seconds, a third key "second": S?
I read {"hour": 3, "minute": 26, "second": 16}
